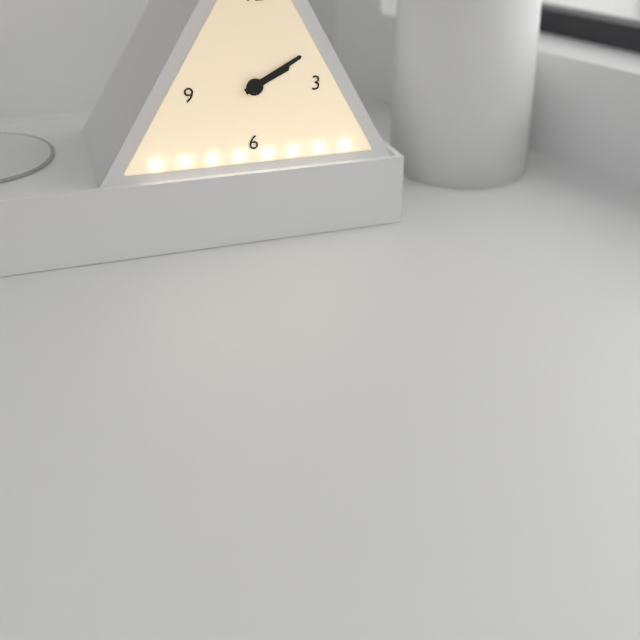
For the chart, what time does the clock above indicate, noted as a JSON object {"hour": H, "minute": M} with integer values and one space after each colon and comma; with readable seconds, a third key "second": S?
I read {"hour": 2, "minute": 10}
